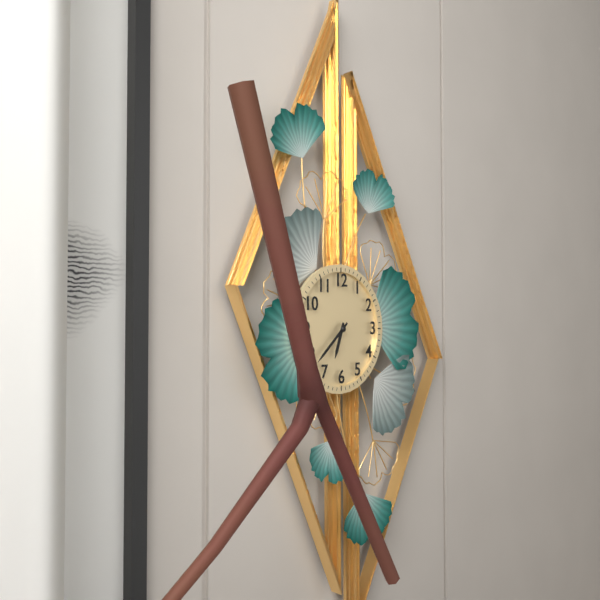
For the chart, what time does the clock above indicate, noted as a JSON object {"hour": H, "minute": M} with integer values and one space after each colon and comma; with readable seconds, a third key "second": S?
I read {"hour": 6, "minute": 38}
